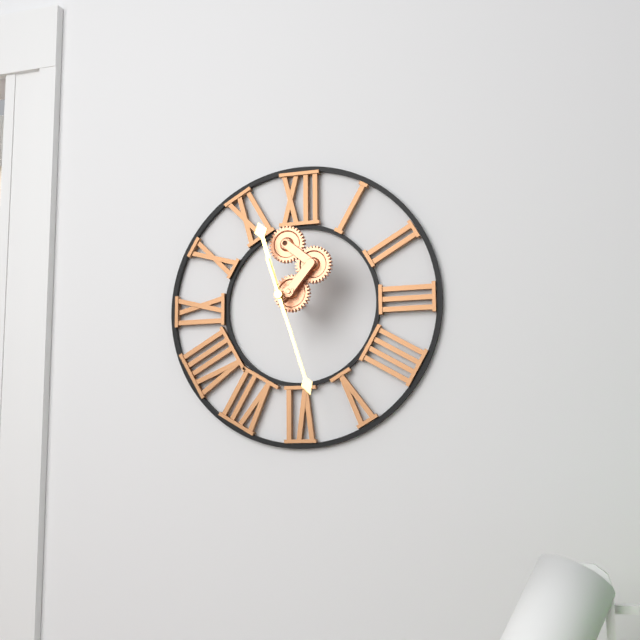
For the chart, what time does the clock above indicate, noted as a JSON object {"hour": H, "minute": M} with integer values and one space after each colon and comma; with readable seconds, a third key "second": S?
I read {"hour": 11, "minute": 27}
